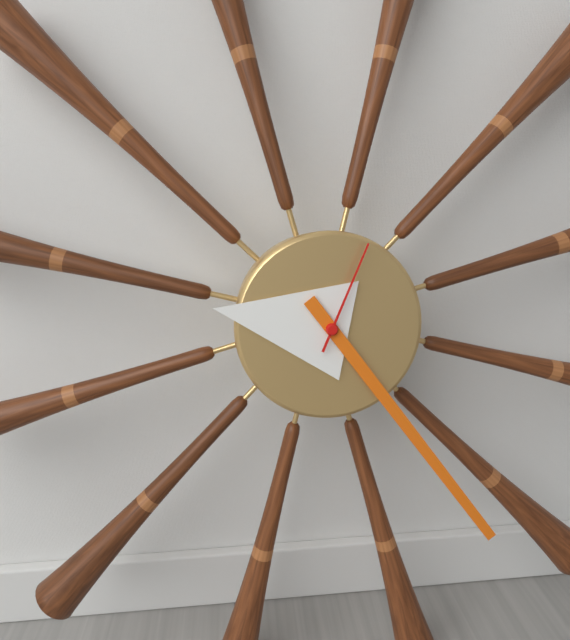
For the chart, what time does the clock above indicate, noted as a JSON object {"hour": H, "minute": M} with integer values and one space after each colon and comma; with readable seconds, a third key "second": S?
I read {"hour": 9, "minute": 24, "second": 4}
